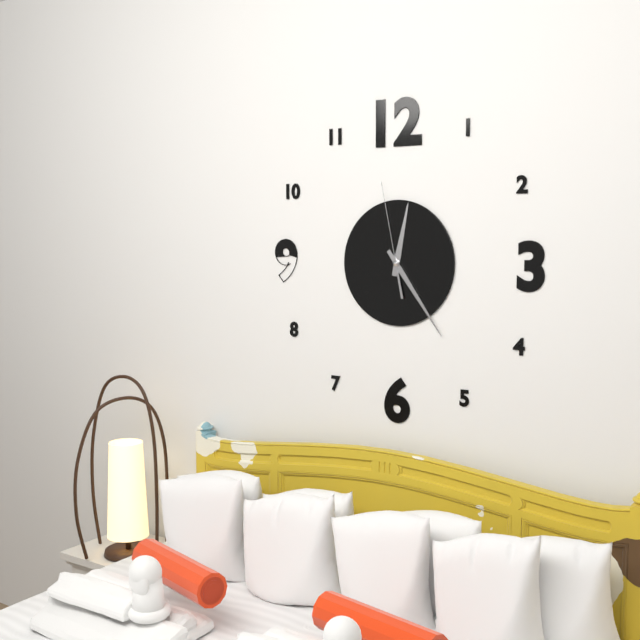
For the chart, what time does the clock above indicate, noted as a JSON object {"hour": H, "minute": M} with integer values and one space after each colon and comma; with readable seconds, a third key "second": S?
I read {"hour": 12, "minute": 24, "second": 58}
